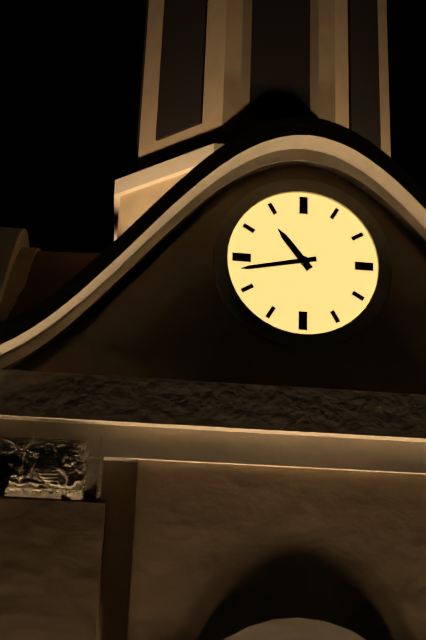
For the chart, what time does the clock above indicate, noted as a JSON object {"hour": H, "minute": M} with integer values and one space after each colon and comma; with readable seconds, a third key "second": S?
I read {"hour": 10, "minute": 43}
